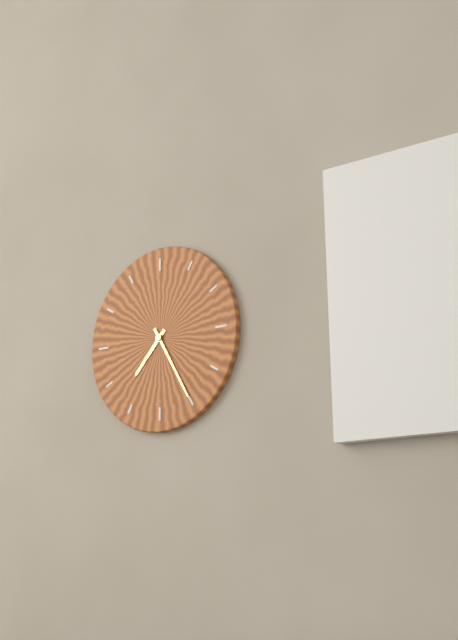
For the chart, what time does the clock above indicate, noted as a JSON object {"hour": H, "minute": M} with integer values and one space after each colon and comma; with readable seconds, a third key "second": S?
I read {"hour": 7, "minute": 25}
